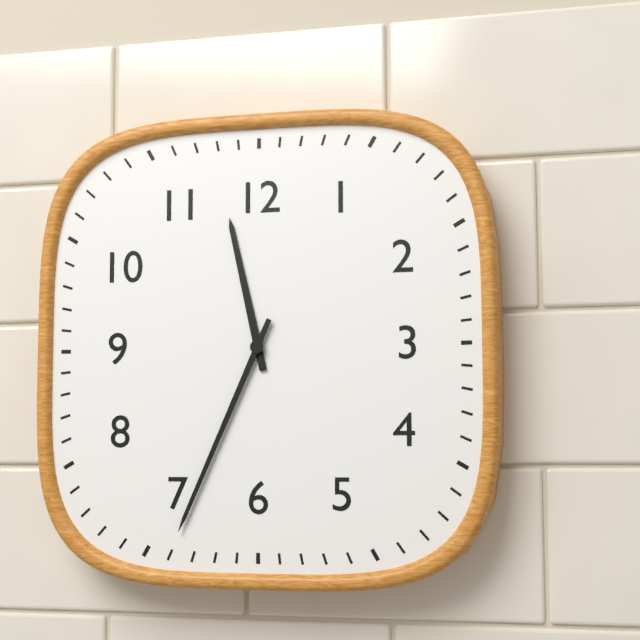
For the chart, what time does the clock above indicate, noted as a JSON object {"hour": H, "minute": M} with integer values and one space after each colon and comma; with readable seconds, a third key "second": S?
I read {"hour": 11, "minute": 34}
